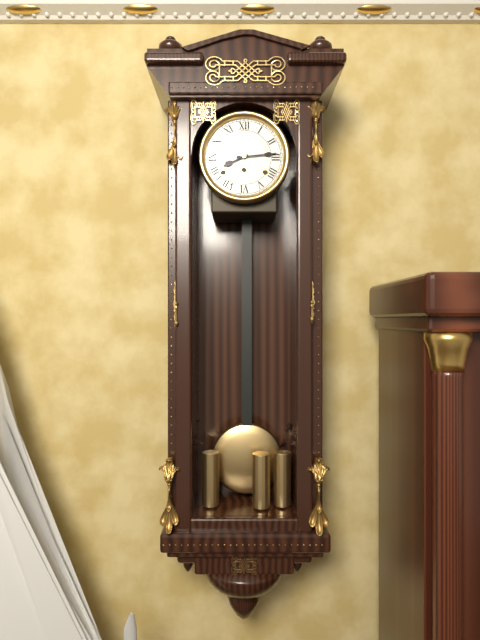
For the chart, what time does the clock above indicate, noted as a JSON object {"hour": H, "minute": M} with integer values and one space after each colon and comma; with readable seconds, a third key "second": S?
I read {"hour": 8, "minute": 14}
